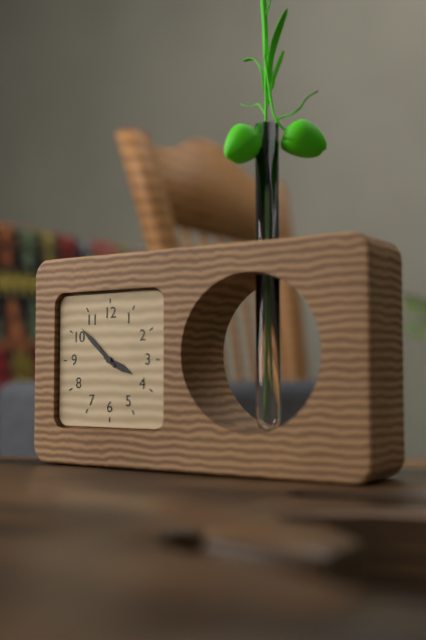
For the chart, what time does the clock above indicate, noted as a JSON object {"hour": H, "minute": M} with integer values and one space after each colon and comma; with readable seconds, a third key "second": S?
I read {"hour": 3, "minute": 52}
